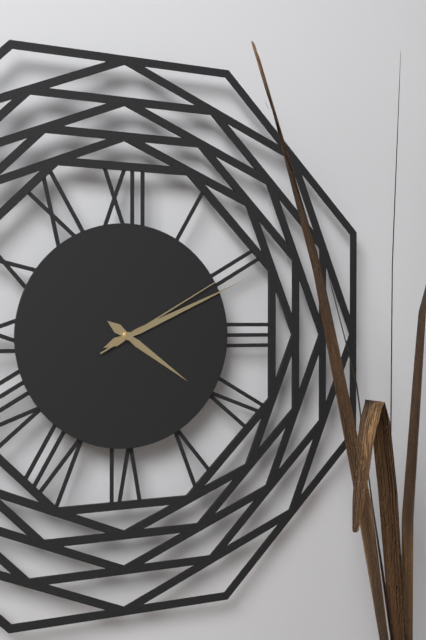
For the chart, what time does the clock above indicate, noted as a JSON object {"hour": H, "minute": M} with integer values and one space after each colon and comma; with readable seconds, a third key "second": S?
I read {"hour": 4, "minute": 11, "second": 10}
